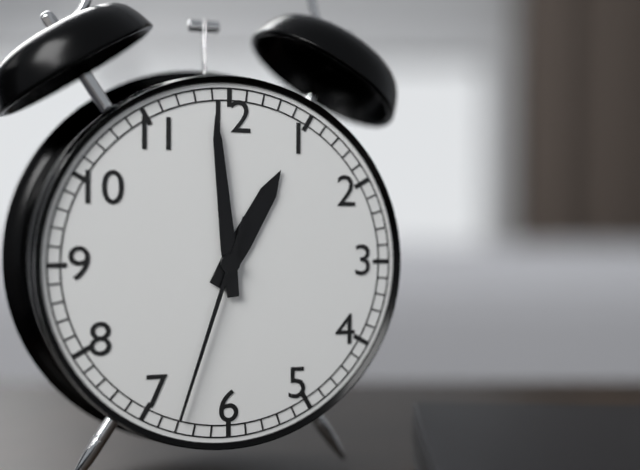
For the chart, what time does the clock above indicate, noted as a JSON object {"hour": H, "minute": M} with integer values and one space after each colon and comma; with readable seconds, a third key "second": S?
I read {"hour": 12, "minute": 59, "second": 33}
